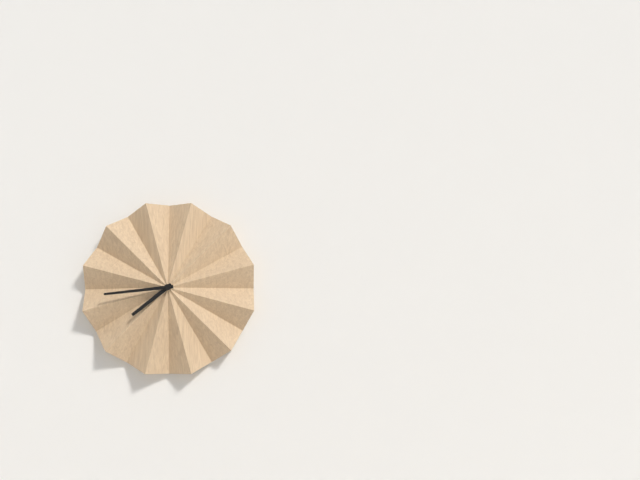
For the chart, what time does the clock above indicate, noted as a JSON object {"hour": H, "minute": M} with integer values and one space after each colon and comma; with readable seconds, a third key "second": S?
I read {"hour": 7, "minute": 44}
